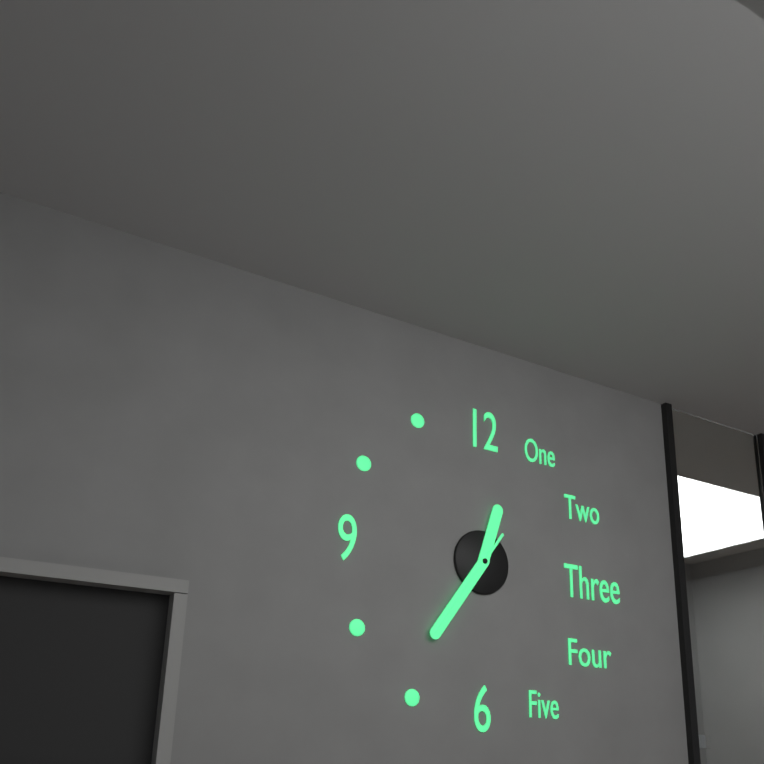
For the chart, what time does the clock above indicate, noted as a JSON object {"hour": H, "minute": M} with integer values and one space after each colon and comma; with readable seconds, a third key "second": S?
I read {"hour": 12, "minute": 36, "second": 36}
